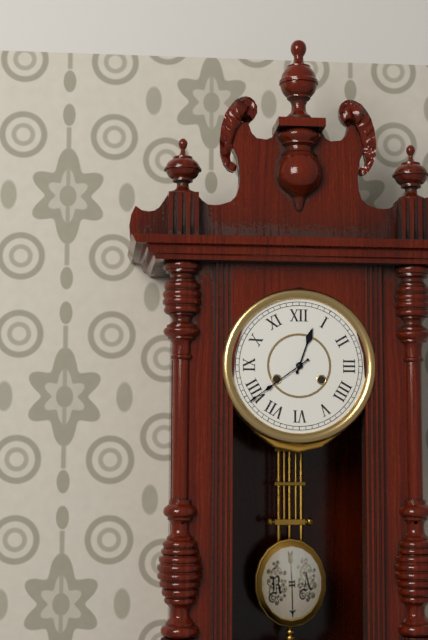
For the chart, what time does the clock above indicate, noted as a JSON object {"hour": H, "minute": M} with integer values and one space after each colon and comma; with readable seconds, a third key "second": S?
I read {"hour": 12, "minute": 39}
